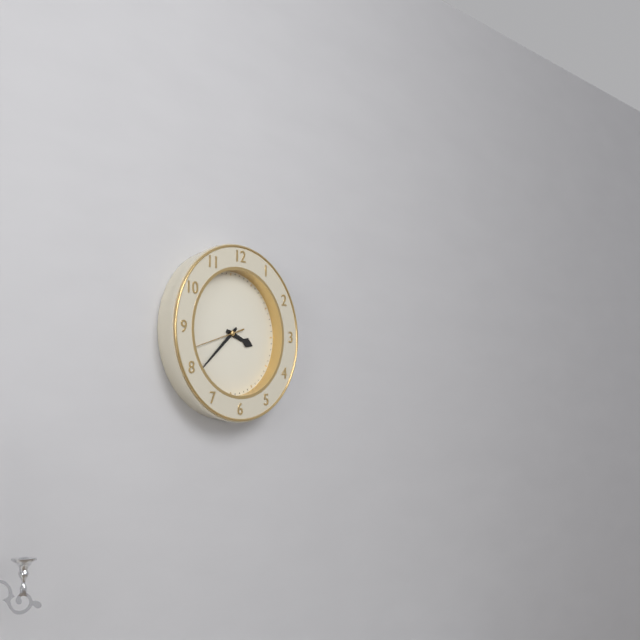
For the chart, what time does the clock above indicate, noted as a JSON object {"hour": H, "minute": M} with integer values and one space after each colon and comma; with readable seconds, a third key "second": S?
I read {"hour": 3, "minute": 38, "second": 42}
